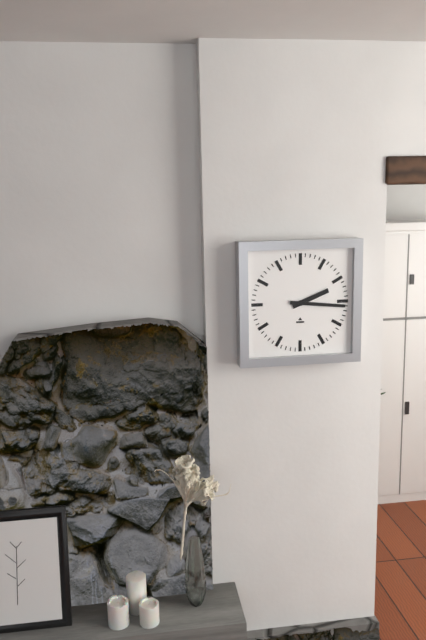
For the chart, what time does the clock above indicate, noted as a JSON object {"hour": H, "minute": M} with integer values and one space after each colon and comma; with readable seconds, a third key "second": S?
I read {"hour": 2, "minute": 16}
